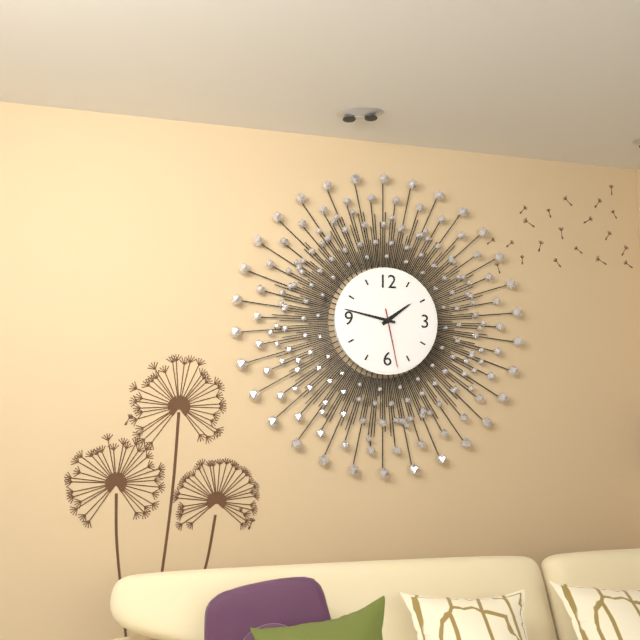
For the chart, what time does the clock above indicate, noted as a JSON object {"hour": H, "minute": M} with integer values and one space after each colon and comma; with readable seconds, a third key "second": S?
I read {"hour": 1, "minute": 47, "second": 28}
